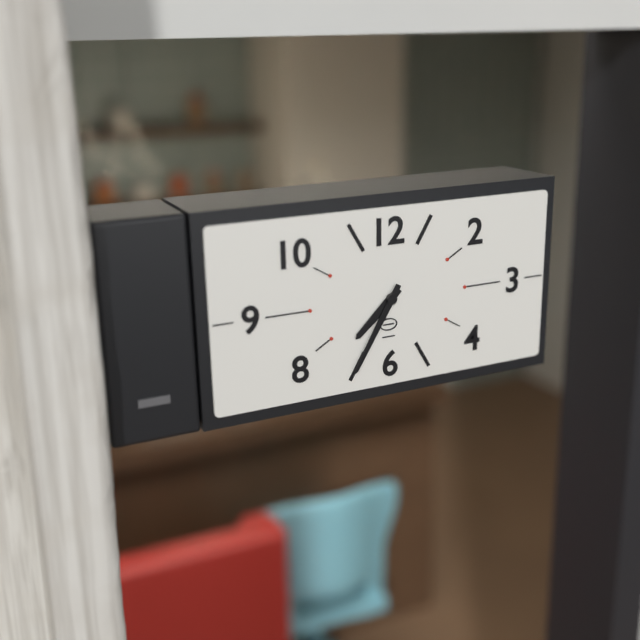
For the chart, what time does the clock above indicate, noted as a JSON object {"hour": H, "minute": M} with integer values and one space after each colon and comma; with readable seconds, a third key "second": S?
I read {"hour": 7, "minute": 35}
